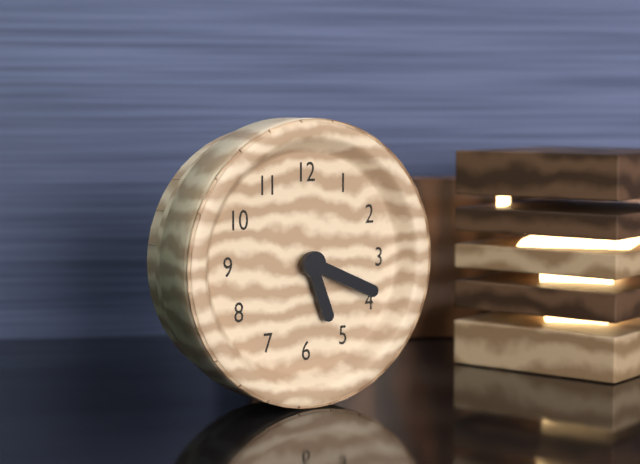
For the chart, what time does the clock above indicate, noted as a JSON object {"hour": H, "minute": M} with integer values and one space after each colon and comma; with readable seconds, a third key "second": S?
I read {"hour": 5, "minute": 19}
